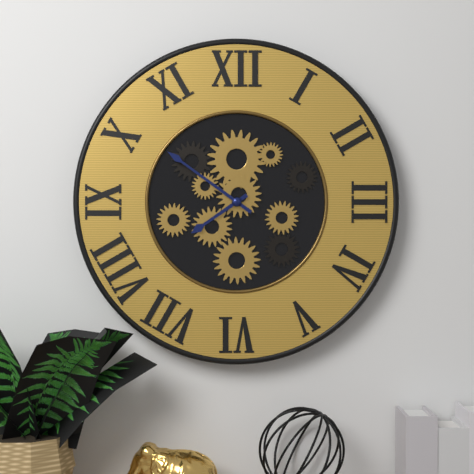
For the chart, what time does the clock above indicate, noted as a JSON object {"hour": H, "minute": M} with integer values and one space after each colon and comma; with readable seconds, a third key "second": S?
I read {"hour": 7, "minute": 51}
